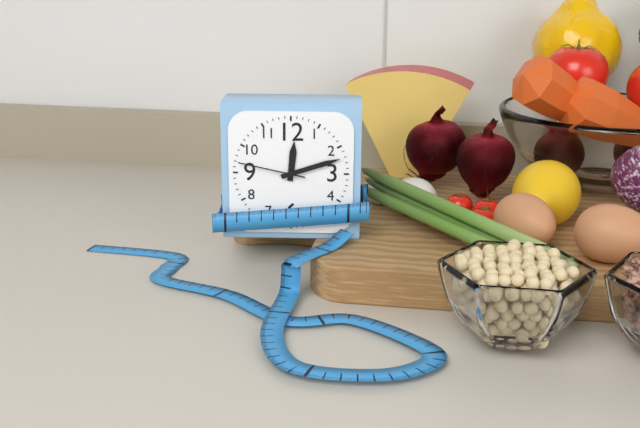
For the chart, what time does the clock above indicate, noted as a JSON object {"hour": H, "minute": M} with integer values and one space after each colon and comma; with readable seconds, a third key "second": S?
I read {"hour": 12, "minute": 12, "second": 47}
